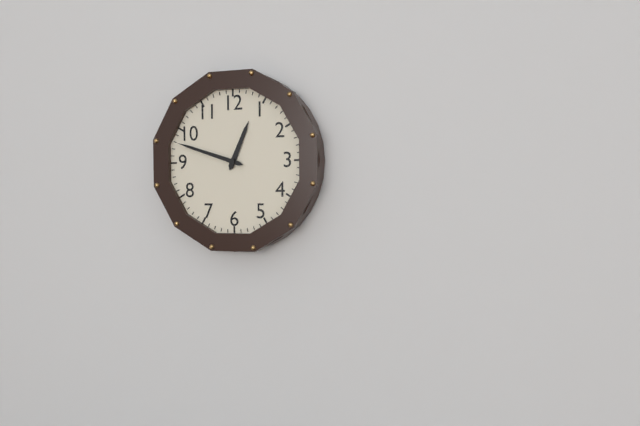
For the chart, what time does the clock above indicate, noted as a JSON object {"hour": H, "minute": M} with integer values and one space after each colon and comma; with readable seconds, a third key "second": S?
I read {"hour": 12, "minute": 48}
